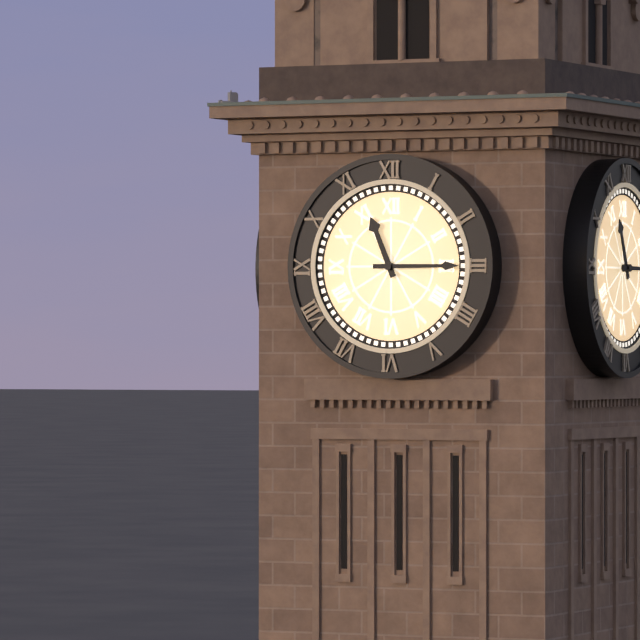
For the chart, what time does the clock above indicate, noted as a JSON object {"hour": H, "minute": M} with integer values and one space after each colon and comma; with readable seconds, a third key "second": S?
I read {"hour": 11, "minute": 15}
